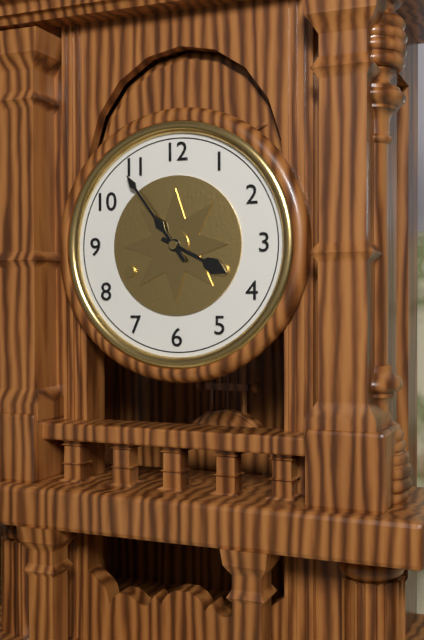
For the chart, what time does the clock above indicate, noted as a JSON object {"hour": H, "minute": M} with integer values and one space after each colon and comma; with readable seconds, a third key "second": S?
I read {"hour": 3, "minute": 54}
